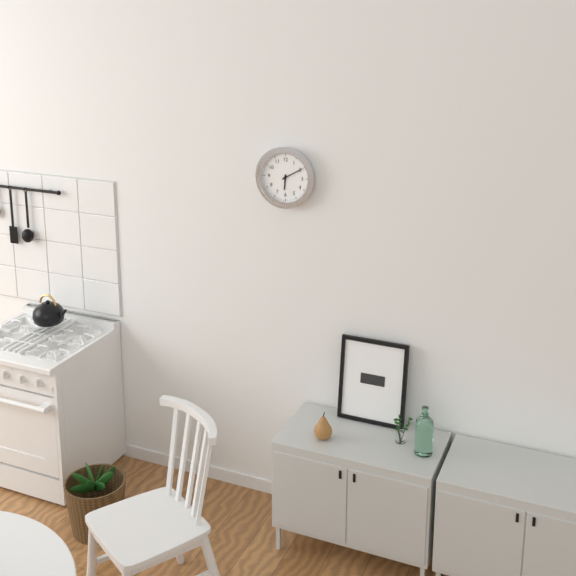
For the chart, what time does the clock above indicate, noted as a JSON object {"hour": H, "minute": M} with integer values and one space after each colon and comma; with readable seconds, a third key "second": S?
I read {"hour": 6, "minute": 10}
